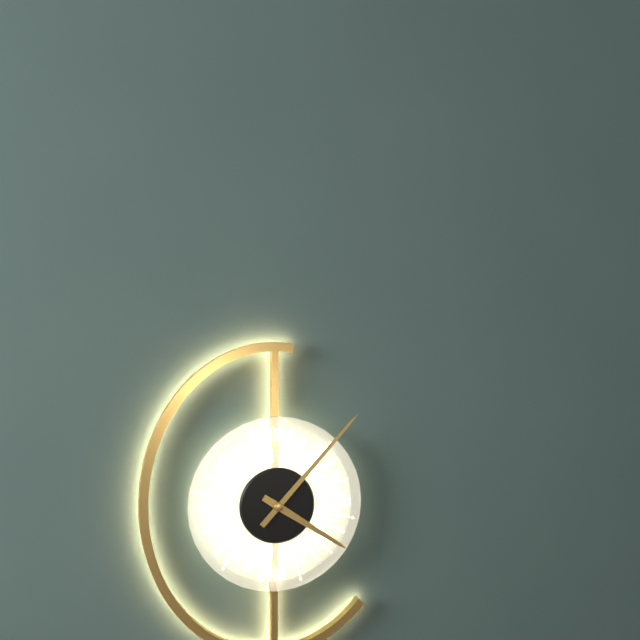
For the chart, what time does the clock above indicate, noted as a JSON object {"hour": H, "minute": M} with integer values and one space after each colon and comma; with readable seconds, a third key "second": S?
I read {"hour": 4, "minute": 7}
